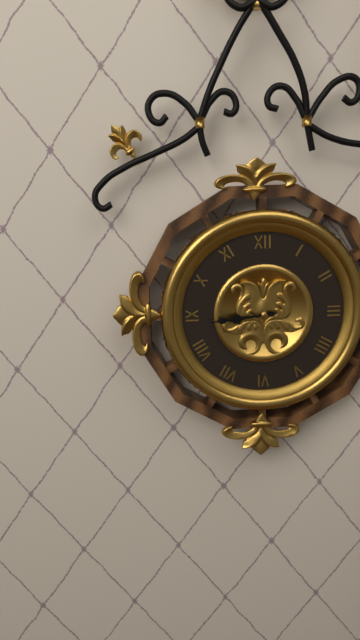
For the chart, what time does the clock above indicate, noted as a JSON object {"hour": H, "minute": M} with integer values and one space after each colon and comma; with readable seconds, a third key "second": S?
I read {"hour": 8, "minute": 44}
